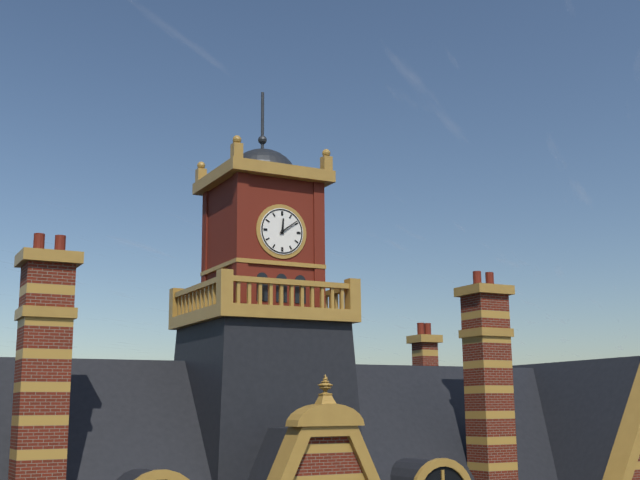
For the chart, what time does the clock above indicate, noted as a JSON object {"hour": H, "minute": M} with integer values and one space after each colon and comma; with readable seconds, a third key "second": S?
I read {"hour": 12, "minute": 9}
